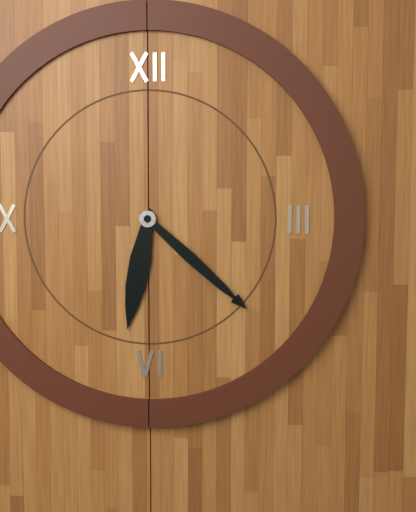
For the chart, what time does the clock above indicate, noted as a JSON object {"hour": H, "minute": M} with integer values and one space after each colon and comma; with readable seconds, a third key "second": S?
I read {"hour": 6, "minute": 22}
